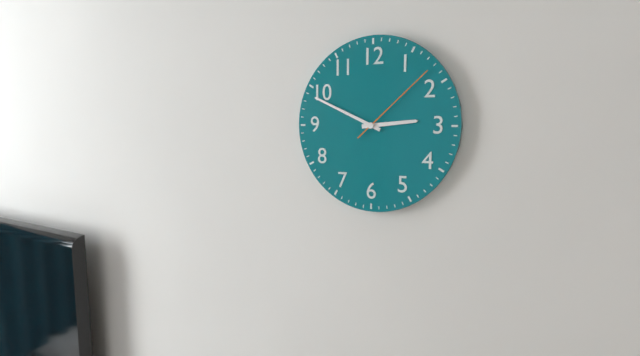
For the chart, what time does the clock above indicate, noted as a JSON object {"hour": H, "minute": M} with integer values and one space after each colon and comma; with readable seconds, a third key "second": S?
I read {"hour": 2, "minute": 49, "second": 8}
